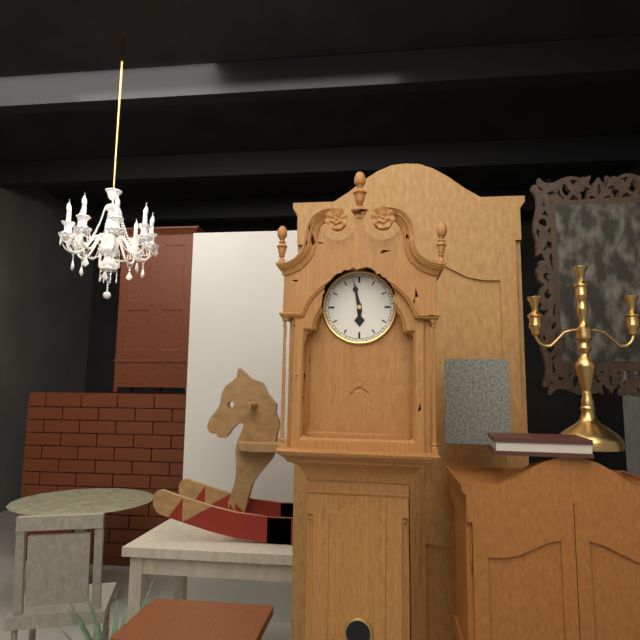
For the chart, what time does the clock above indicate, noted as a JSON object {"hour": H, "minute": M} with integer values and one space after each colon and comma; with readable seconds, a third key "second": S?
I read {"hour": 5, "minute": 58}
